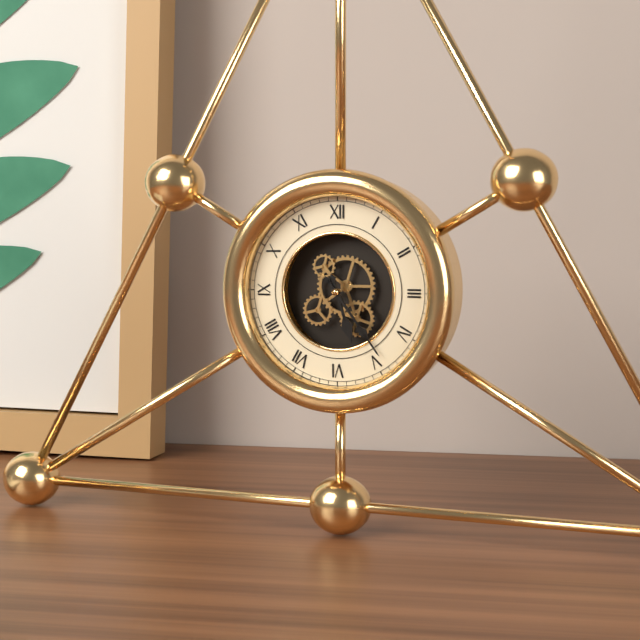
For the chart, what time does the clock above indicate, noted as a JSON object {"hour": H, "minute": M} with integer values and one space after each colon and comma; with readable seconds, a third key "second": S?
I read {"hour": 5, "minute": 24}
